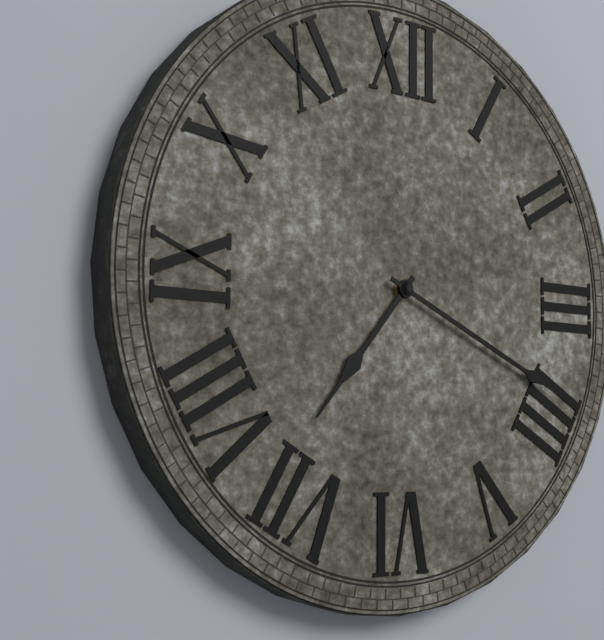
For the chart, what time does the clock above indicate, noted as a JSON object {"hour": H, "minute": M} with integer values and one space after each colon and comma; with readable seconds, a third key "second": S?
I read {"hour": 7, "minute": 19}
